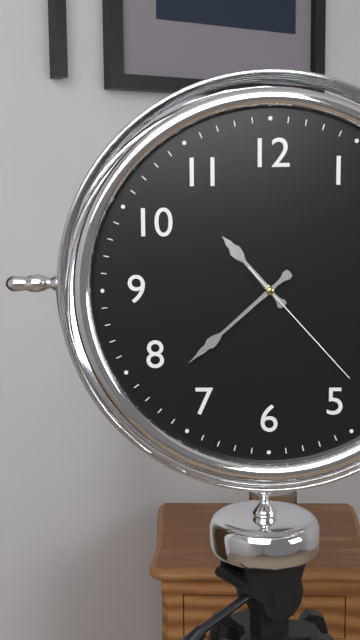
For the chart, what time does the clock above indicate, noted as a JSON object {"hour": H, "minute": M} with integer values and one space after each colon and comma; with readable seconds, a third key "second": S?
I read {"hour": 10, "minute": 38, "second": 23}
